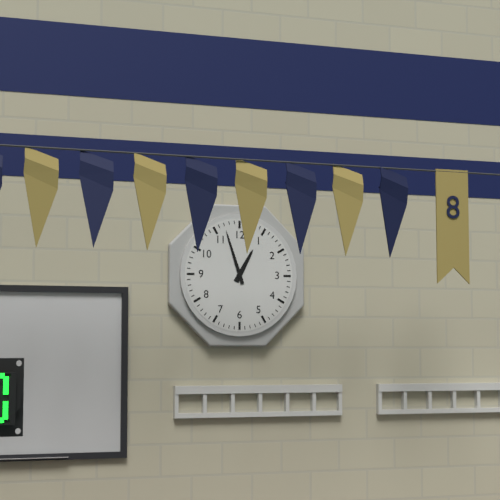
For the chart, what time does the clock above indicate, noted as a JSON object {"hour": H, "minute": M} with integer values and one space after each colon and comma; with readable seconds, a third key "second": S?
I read {"hour": 12, "minute": 57}
